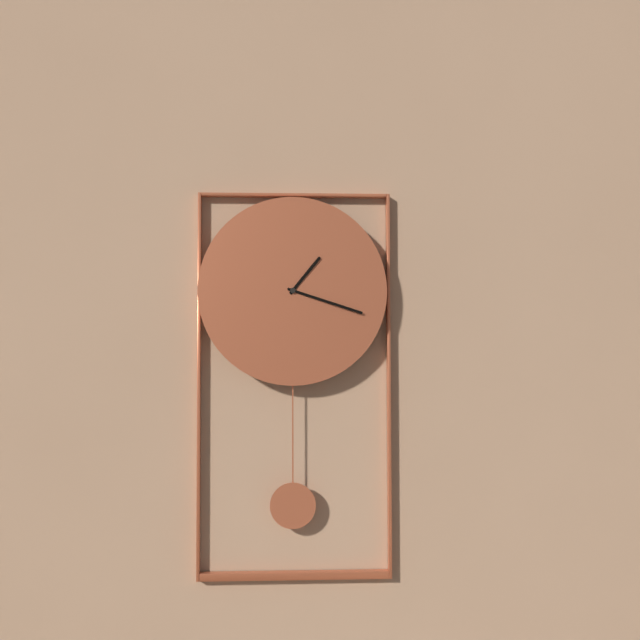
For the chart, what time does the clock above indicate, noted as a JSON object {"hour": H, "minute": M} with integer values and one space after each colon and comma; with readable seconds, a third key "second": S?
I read {"hour": 1, "minute": 18}
